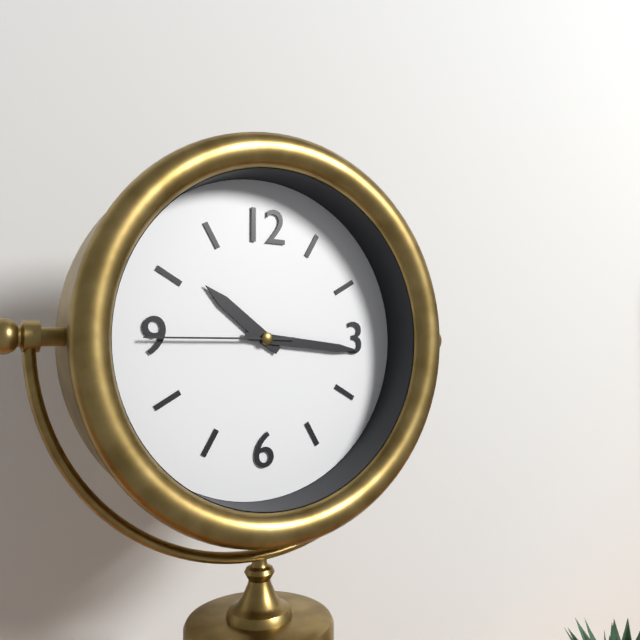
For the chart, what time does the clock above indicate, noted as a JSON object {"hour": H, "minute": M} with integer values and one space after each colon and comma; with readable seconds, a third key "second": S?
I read {"hour": 10, "minute": 16, "second": 45}
